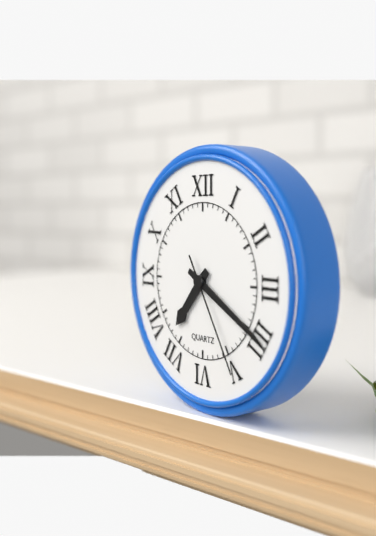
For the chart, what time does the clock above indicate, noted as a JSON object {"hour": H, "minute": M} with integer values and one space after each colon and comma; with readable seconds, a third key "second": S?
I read {"hour": 7, "minute": 20, "second": 25}
